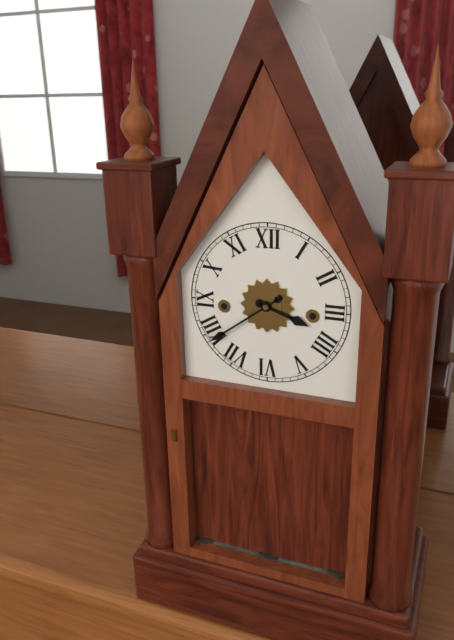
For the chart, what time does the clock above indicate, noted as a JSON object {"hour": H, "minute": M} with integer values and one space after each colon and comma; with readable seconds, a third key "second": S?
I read {"hour": 3, "minute": 39}
